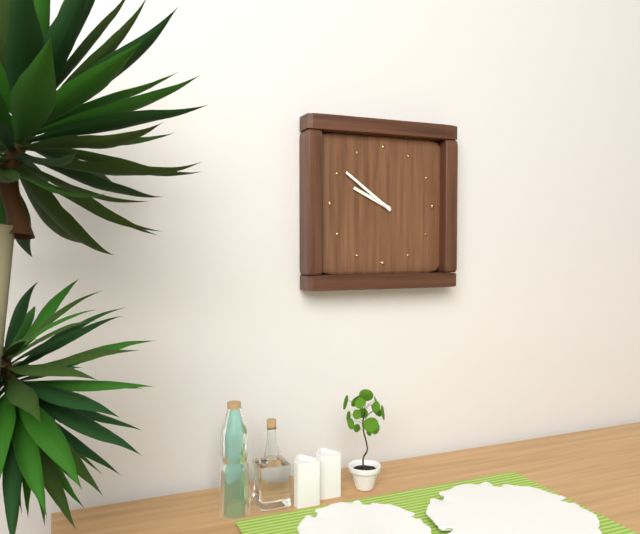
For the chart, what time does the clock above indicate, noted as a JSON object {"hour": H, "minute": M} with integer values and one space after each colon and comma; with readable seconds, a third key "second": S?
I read {"hour": 9, "minute": 51}
